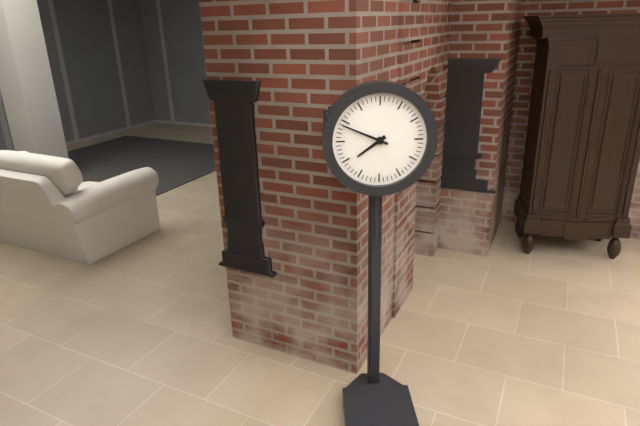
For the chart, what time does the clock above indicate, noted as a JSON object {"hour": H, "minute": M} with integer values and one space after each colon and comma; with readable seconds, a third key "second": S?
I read {"hour": 7, "minute": 49}
